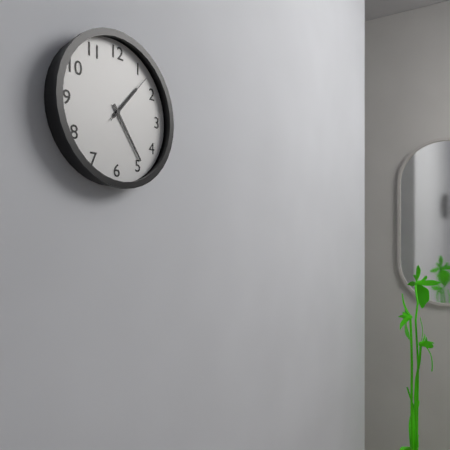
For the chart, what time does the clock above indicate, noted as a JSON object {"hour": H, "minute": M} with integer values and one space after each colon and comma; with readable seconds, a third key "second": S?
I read {"hour": 1, "minute": 24, "second": 7}
